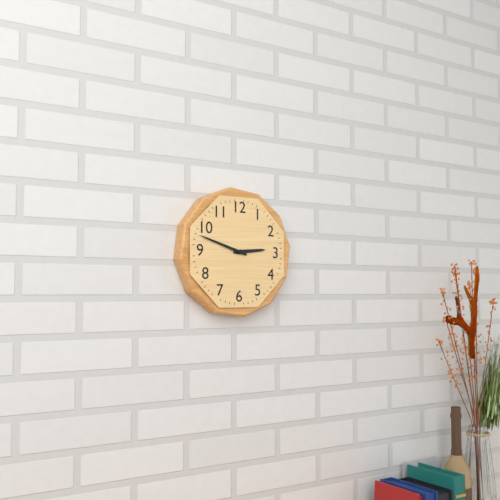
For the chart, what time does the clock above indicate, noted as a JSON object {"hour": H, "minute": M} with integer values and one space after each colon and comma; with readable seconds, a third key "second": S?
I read {"hour": 2, "minute": 48}
